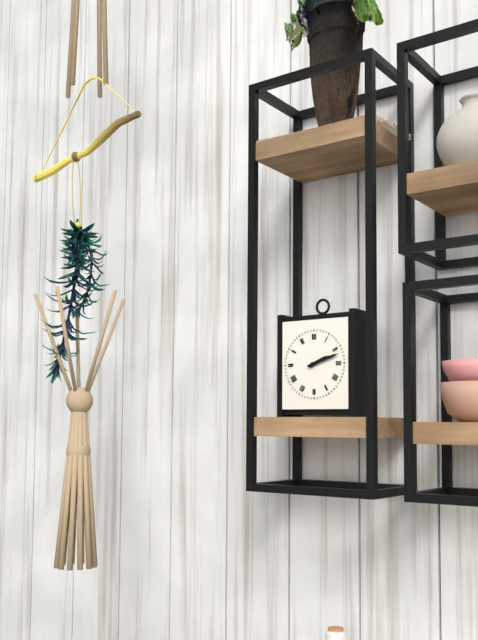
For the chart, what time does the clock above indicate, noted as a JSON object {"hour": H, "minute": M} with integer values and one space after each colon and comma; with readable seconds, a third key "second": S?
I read {"hour": 2, "minute": 12}
